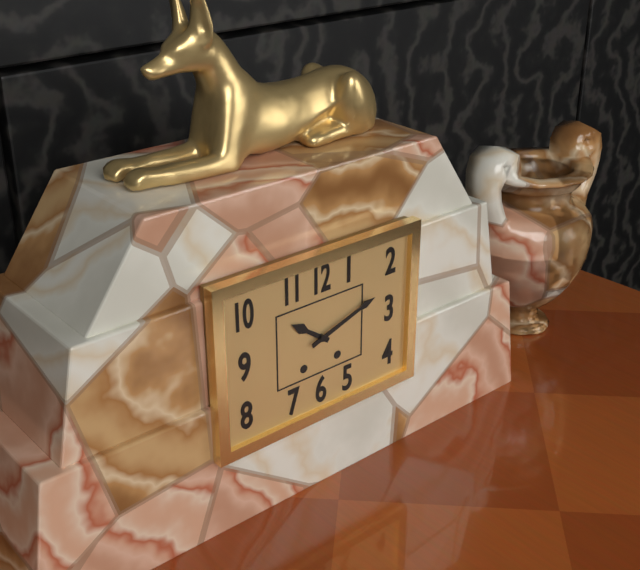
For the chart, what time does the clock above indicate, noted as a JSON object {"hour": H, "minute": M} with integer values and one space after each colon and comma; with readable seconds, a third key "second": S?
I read {"hour": 10, "minute": 12}
